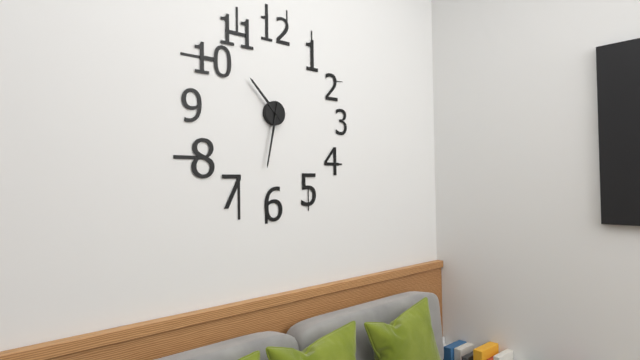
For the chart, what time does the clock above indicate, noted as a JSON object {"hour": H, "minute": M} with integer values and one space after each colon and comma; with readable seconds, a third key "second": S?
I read {"hour": 10, "minute": 32}
